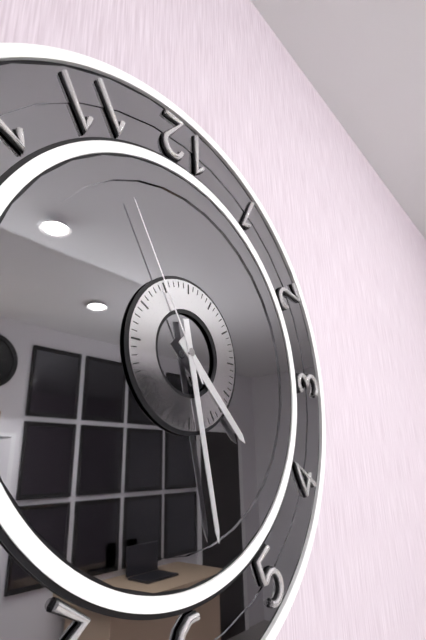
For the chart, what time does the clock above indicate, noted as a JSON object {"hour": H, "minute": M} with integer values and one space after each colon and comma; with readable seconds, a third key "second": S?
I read {"hour": 4, "minute": 28, "second": 55}
